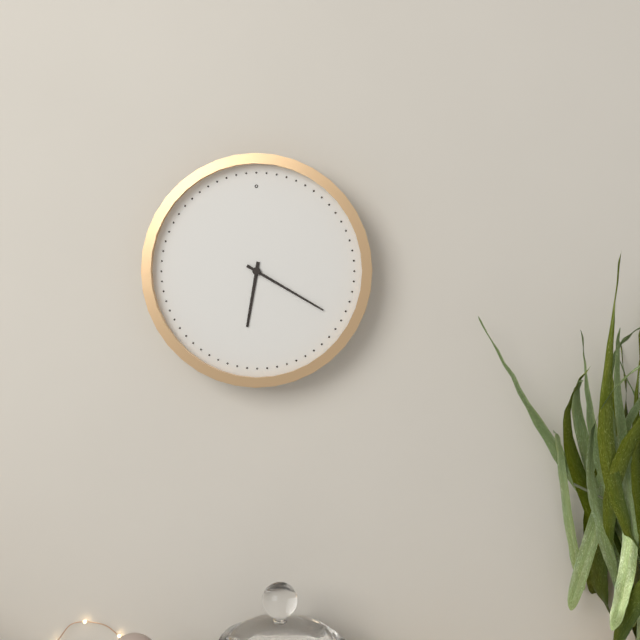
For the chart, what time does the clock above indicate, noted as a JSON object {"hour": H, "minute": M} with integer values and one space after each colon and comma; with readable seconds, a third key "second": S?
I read {"hour": 6, "minute": 20}
